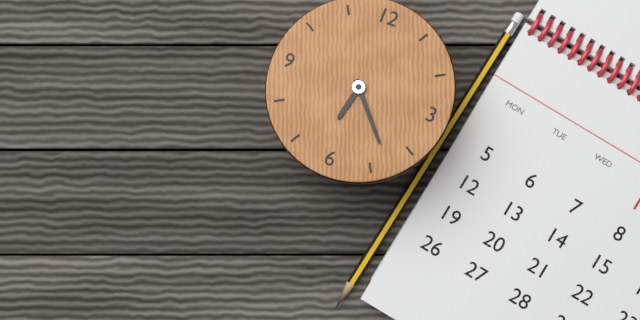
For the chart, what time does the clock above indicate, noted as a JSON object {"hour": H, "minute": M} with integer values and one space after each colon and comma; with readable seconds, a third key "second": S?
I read {"hour": 6, "minute": 23}
